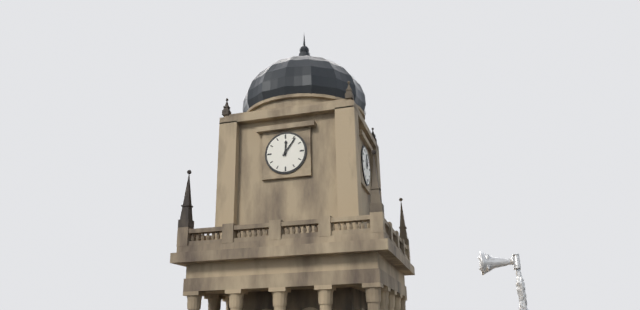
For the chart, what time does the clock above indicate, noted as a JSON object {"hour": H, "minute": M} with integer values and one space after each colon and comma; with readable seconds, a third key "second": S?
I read {"hour": 12, "minute": 6}
